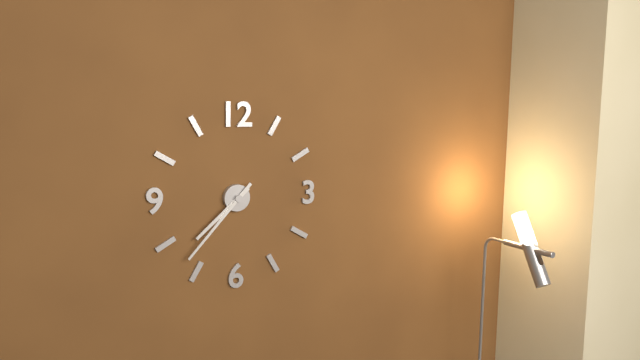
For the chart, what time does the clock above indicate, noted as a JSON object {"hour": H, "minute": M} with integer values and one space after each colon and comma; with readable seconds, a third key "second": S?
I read {"hour": 7, "minute": 37}
